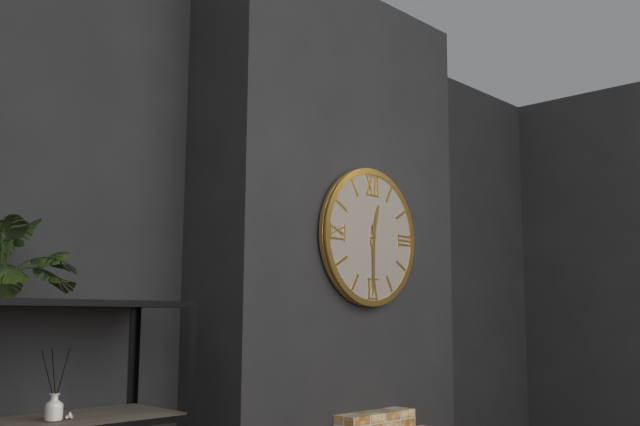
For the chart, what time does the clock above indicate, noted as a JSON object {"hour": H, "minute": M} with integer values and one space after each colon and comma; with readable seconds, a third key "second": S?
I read {"hour": 12, "minute": 30}
